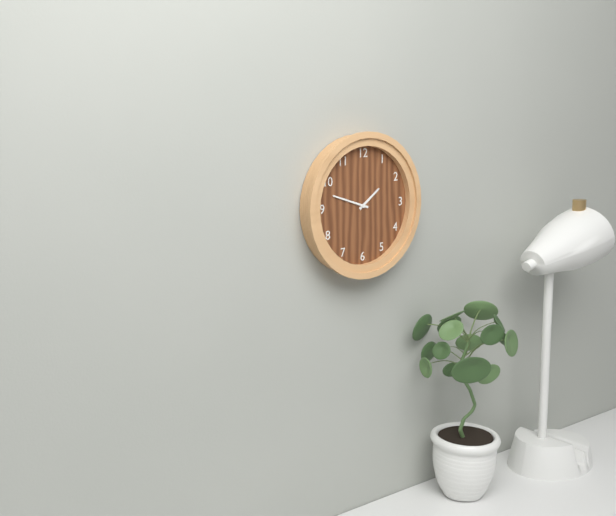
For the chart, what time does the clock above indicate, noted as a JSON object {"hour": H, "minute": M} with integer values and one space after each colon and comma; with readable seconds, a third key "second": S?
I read {"hour": 1, "minute": 48}
